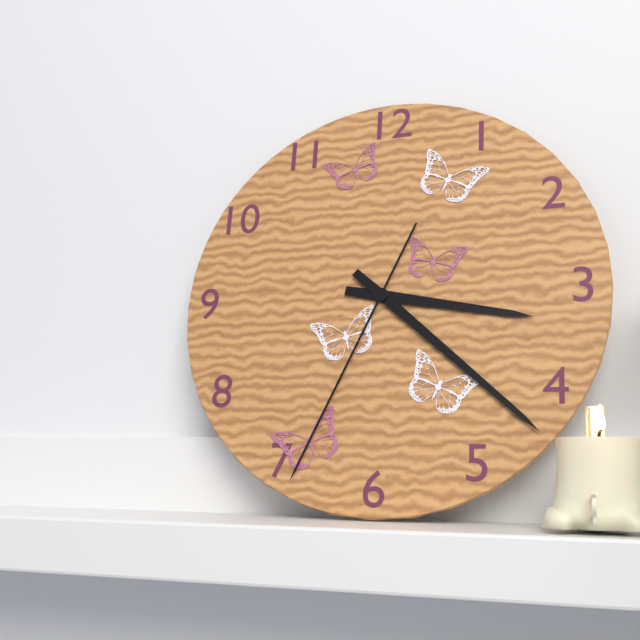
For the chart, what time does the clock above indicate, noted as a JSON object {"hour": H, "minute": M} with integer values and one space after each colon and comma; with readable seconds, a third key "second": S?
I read {"hour": 3, "minute": 22, "second": 34}
